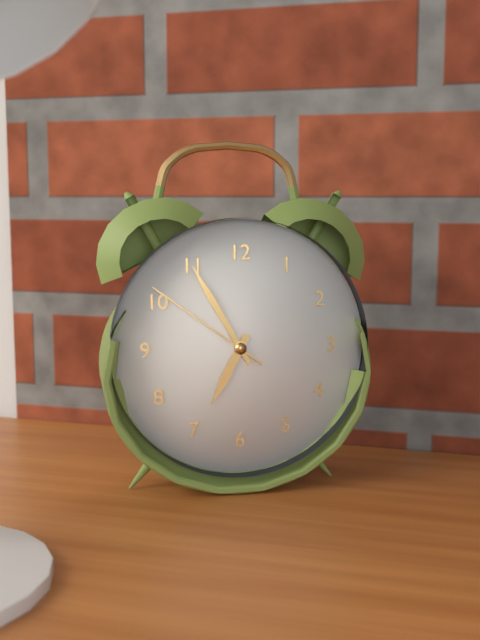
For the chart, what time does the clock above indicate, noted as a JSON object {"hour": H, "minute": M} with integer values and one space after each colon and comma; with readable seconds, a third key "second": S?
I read {"hour": 6, "minute": 55, "second": 51}
